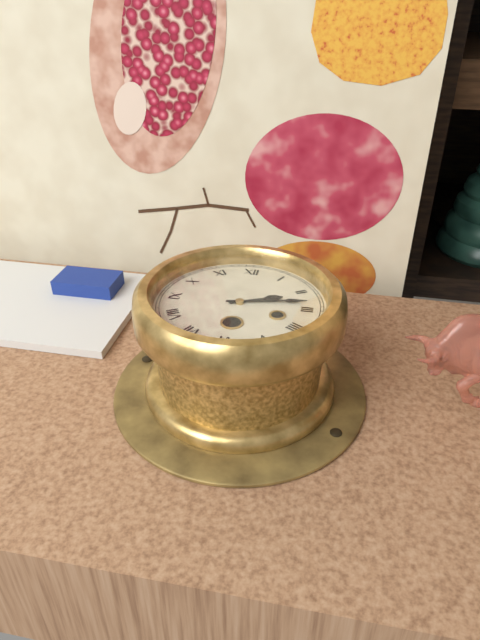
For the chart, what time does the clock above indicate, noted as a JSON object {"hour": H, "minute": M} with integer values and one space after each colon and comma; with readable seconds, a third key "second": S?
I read {"hour": 2, "minute": 13}
